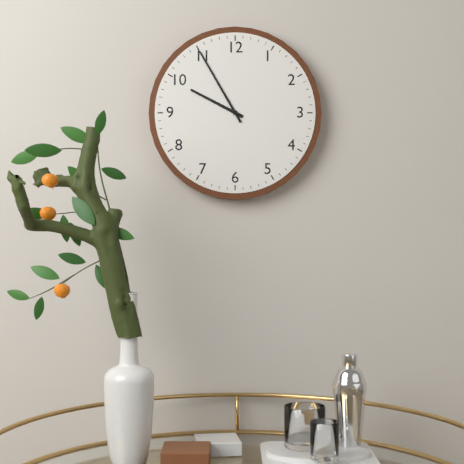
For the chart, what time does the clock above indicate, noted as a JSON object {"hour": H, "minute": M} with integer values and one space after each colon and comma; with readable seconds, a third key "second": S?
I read {"hour": 9, "minute": 55}
